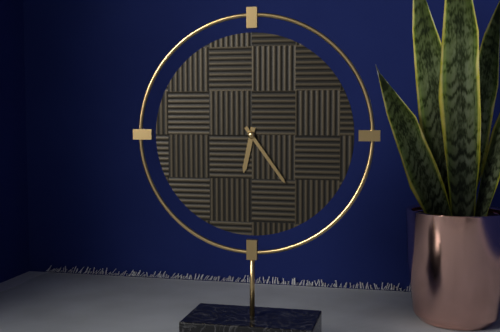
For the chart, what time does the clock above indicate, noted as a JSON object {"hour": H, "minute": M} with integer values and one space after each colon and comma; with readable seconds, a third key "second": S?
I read {"hour": 6, "minute": 24}
